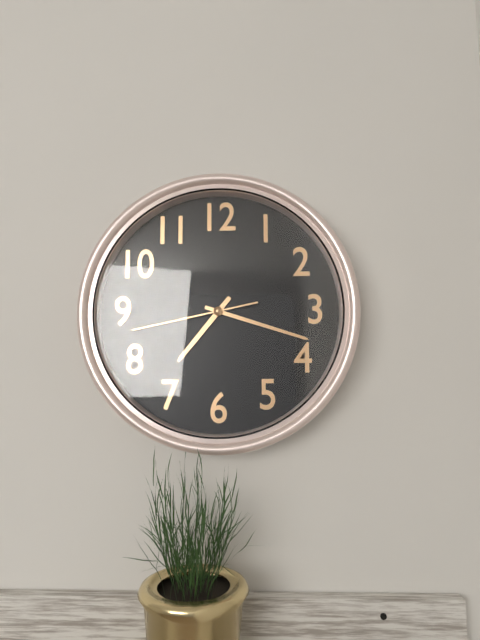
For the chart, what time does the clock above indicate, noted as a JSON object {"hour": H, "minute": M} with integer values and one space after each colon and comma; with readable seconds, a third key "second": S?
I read {"hour": 7, "minute": 18, "second": 43}
